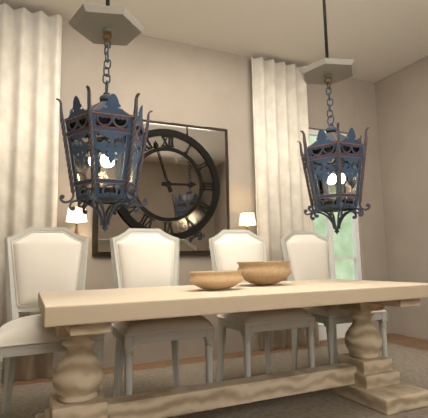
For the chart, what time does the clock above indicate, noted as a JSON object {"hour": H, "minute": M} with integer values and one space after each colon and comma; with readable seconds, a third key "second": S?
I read {"hour": 2, "minute": 57}
